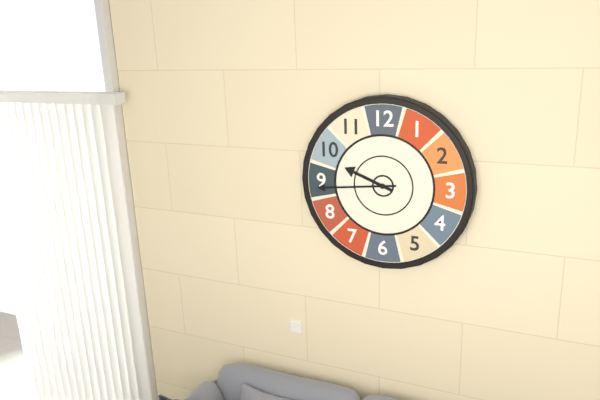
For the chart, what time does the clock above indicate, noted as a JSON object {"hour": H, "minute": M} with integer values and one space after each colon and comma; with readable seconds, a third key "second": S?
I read {"hour": 9, "minute": 44}
